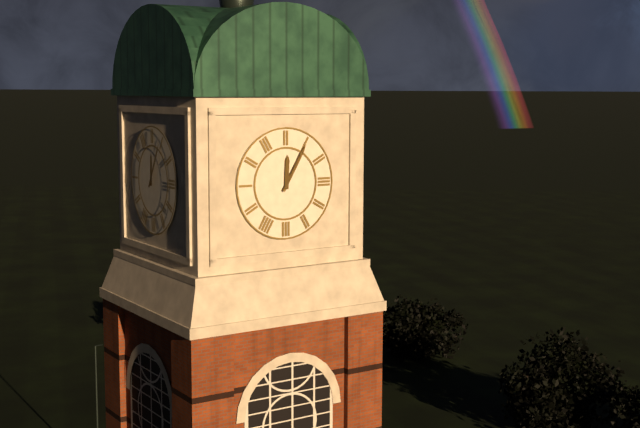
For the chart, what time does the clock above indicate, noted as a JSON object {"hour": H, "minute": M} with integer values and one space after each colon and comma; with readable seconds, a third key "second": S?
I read {"hour": 12, "minute": 5}
